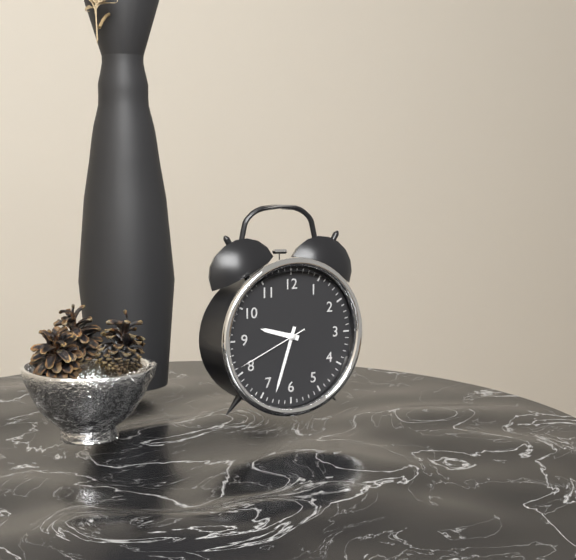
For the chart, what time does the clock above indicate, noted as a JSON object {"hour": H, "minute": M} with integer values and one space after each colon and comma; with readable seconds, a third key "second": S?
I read {"hour": 9, "minute": 33, "second": 41}
